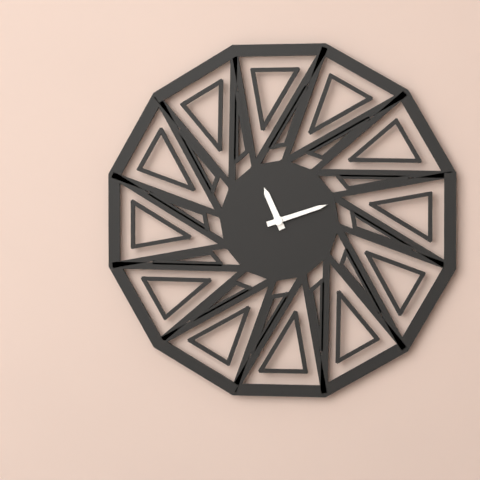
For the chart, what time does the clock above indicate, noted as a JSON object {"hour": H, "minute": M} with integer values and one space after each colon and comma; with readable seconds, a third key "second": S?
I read {"hour": 11, "minute": 12}
